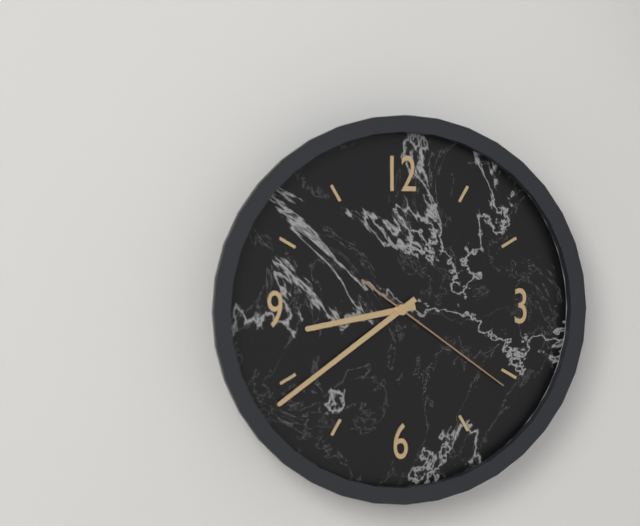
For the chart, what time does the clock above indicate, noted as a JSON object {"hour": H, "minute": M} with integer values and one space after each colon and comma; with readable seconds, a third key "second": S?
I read {"hour": 8, "minute": 39, "second": 21}
